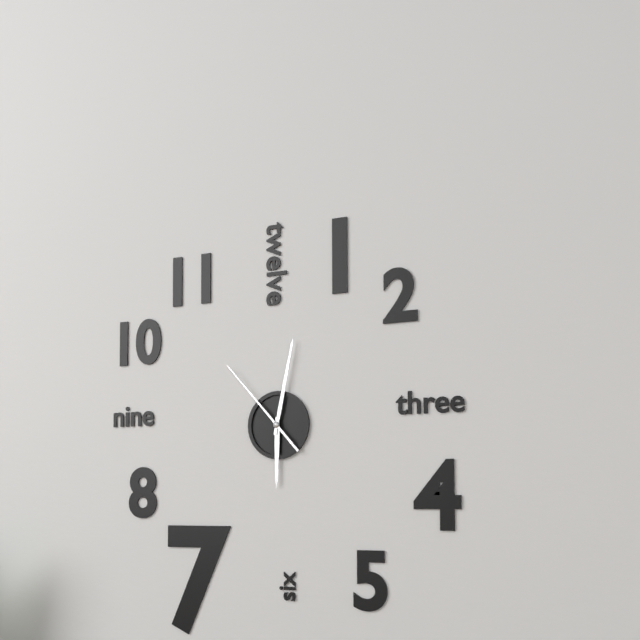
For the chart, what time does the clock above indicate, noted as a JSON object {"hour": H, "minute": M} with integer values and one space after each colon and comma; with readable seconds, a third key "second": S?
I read {"hour": 6, "minute": 2, "second": 53}
